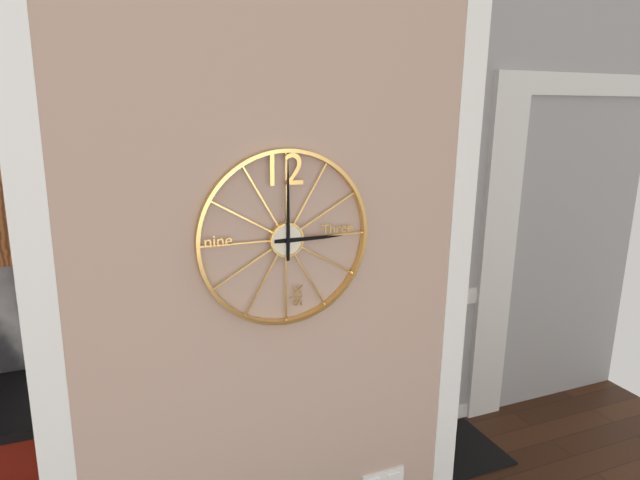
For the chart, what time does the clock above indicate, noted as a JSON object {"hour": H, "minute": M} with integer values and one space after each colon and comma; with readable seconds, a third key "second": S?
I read {"hour": 3, "minute": 0}
